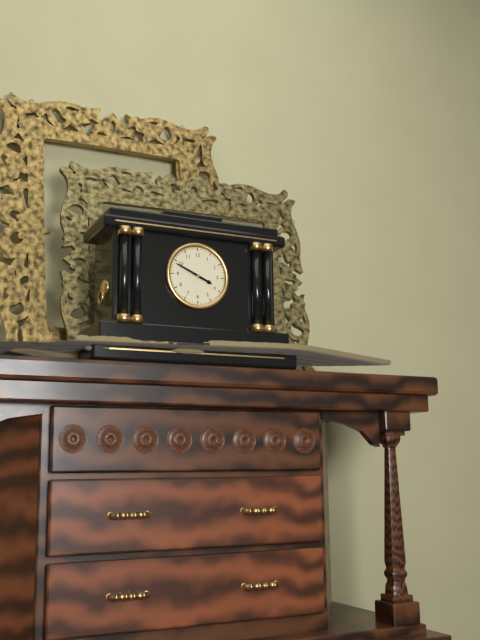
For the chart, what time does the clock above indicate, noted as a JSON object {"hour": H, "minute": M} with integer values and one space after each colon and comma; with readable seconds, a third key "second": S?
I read {"hour": 3, "minute": 49}
